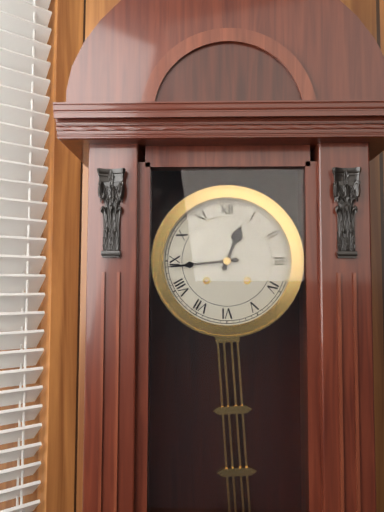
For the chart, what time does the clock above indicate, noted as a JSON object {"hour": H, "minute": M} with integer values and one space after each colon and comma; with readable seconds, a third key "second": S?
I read {"hour": 12, "minute": 44}
